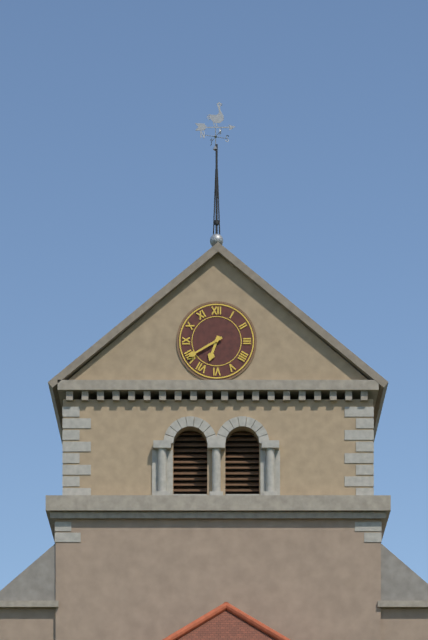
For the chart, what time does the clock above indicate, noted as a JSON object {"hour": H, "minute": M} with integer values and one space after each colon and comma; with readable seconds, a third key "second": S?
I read {"hour": 6, "minute": 40}
